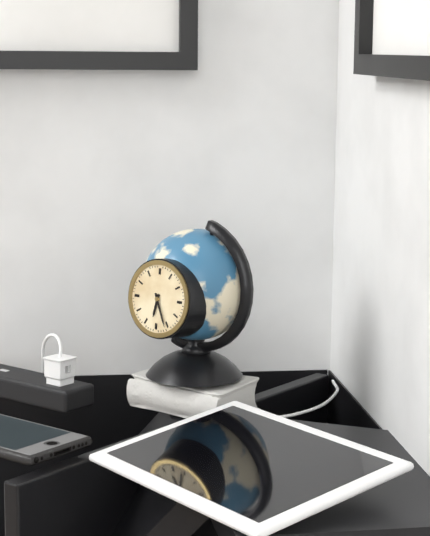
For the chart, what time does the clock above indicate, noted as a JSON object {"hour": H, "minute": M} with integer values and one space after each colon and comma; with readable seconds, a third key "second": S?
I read {"hour": 6, "minute": 26}
